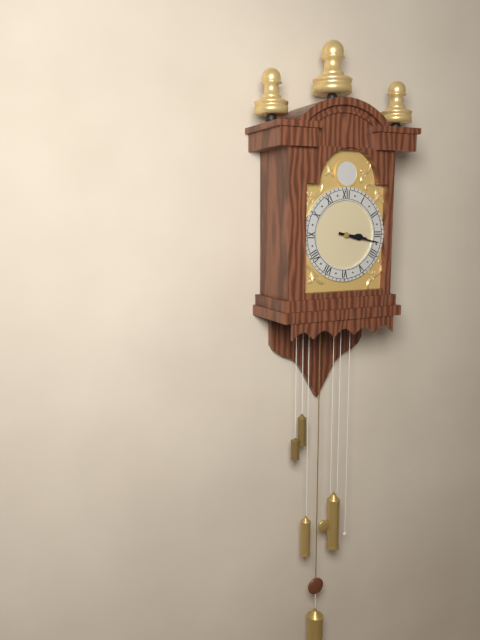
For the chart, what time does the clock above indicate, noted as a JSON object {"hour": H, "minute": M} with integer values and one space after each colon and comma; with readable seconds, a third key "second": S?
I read {"hour": 3, "minute": 17}
